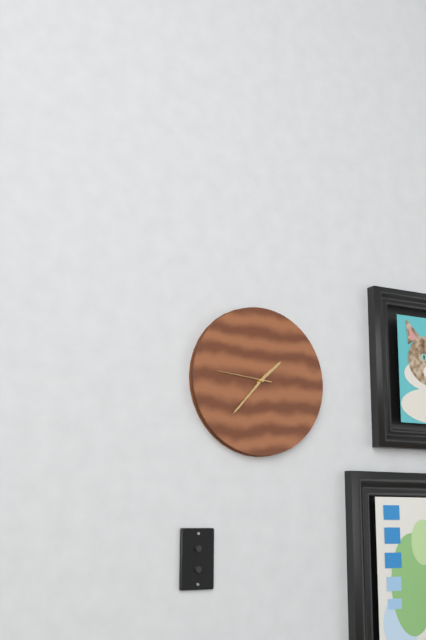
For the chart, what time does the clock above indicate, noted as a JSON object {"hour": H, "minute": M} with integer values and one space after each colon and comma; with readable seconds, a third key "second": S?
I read {"hour": 1, "minute": 37, "second": 46}
